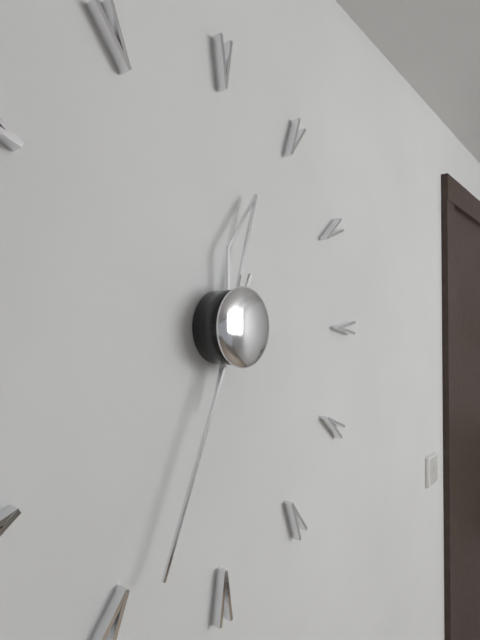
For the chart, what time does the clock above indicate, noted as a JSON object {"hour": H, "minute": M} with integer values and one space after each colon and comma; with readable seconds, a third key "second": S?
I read {"hour": 12, "minute": 34}
